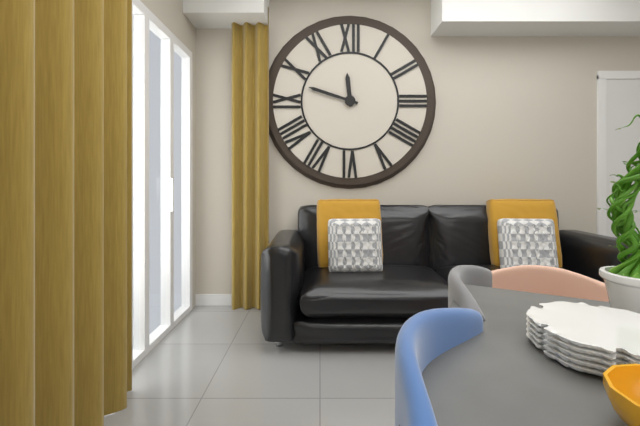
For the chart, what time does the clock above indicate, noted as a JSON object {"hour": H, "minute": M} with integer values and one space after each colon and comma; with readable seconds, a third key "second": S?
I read {"hour": 11, "minute": 48}
